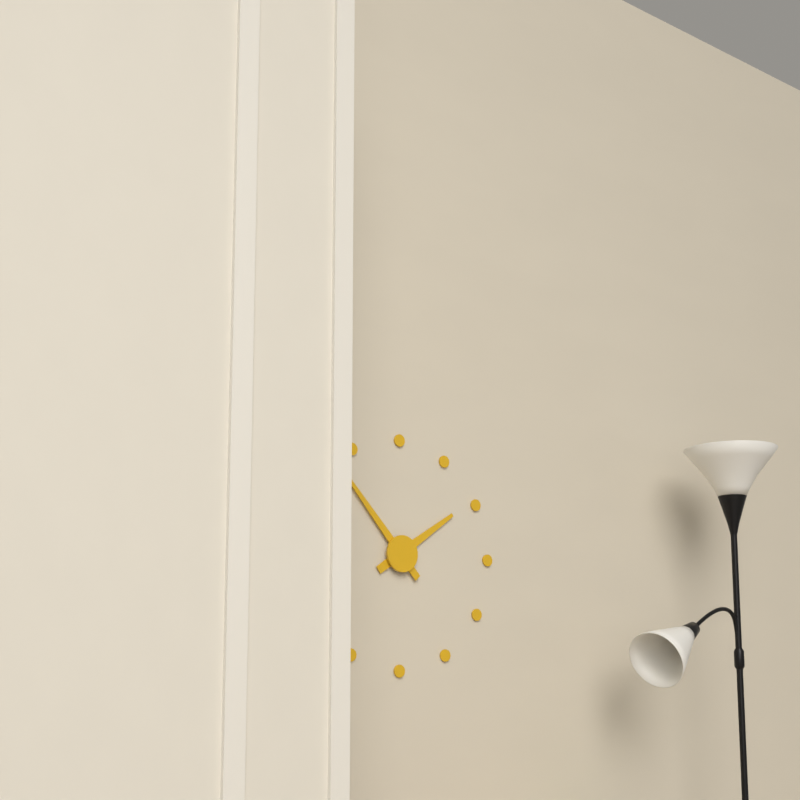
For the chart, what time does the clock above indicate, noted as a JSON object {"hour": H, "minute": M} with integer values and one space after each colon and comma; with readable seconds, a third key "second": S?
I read {"hour": 1, "minute": 53}
